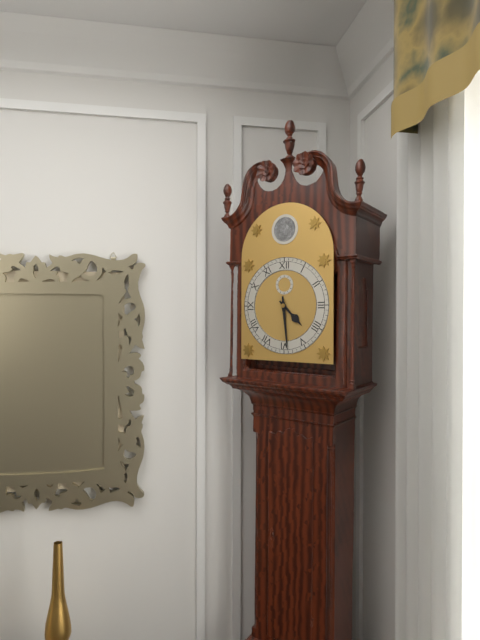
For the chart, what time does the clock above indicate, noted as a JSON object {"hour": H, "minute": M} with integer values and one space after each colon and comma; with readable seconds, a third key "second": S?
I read {"hour": 4, "minute": 29}
